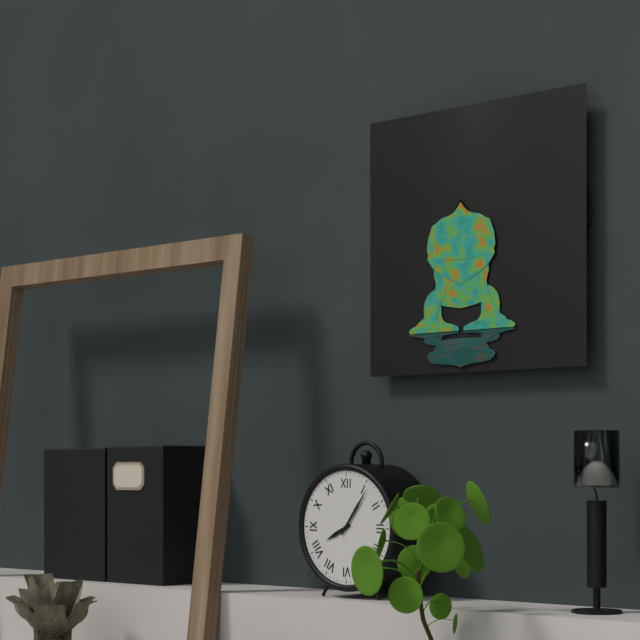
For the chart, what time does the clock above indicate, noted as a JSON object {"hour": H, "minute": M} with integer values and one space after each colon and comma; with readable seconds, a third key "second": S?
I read {"hour": 8, "minute": 6}
